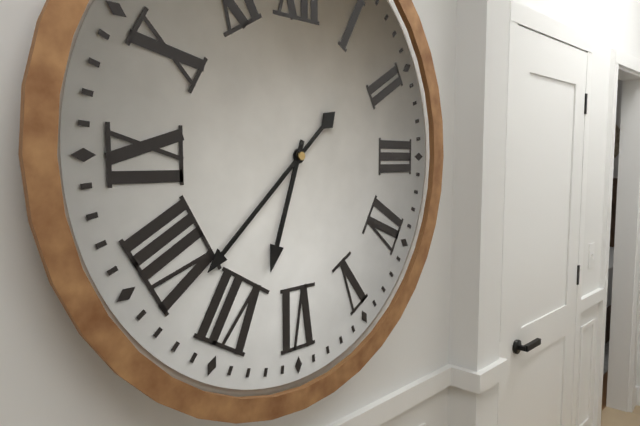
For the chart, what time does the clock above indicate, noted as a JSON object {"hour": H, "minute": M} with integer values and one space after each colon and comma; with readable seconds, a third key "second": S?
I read {"hour": 6, "minute": 38}
